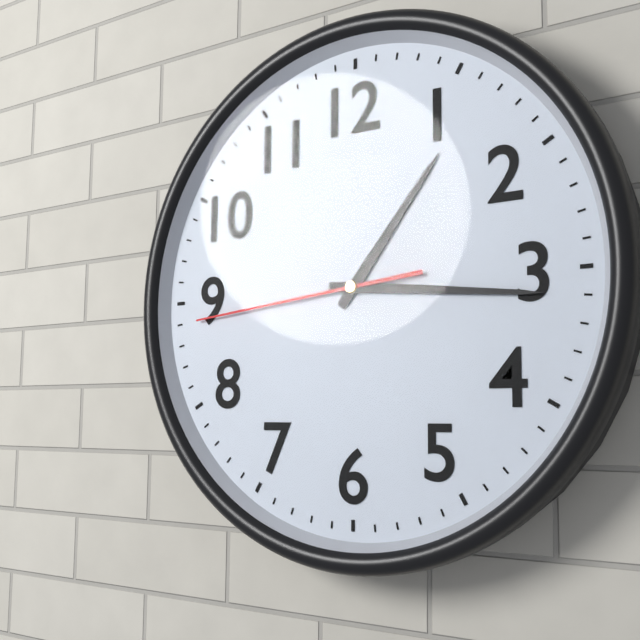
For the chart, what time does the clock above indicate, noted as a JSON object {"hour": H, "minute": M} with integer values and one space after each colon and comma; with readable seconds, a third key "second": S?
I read {"hour": 1, "minute": 16, "second": 44}
